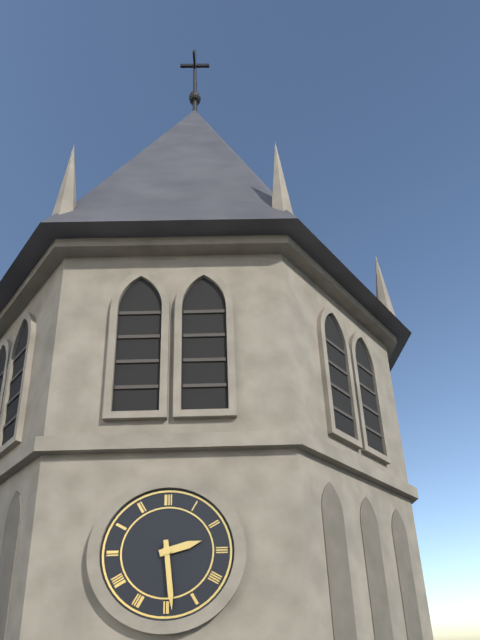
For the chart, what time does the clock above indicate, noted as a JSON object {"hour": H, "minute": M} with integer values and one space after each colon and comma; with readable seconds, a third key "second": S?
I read {"hour": 2, "minute": 29}
